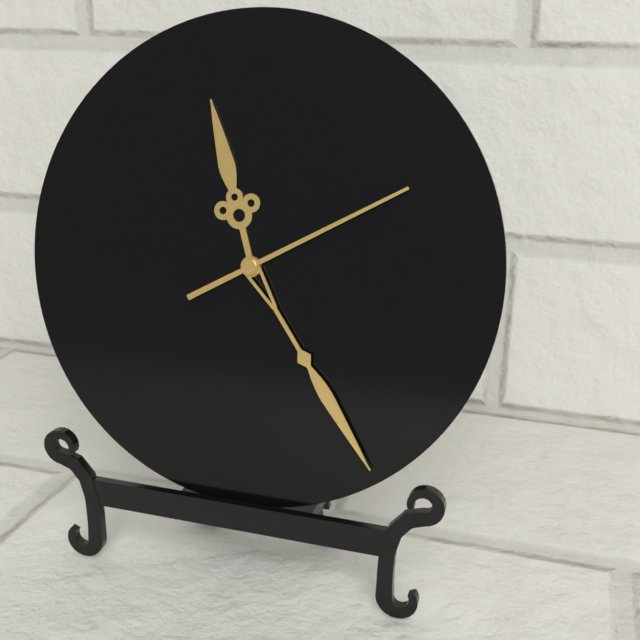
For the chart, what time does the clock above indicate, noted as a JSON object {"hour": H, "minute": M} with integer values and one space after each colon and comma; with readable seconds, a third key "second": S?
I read {"hour": 11, "minute": 24, "second": 10}
